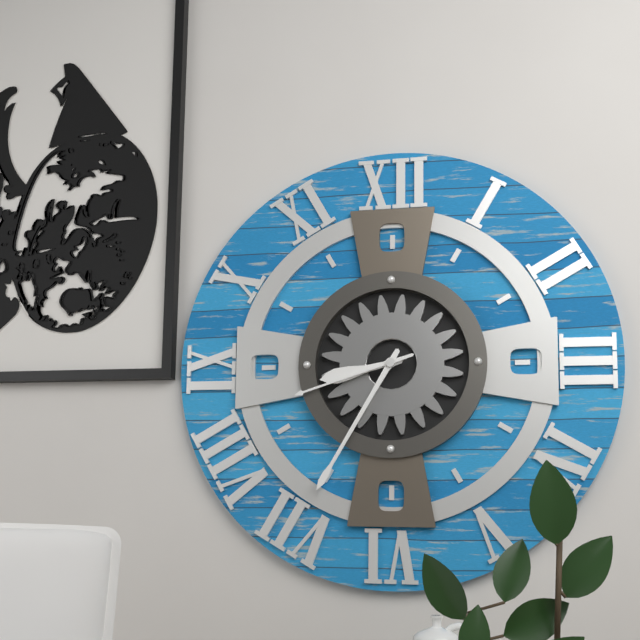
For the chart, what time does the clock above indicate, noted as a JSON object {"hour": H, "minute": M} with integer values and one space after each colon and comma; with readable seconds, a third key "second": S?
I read {"hour": 8, "minute": 35, "second": 42}
